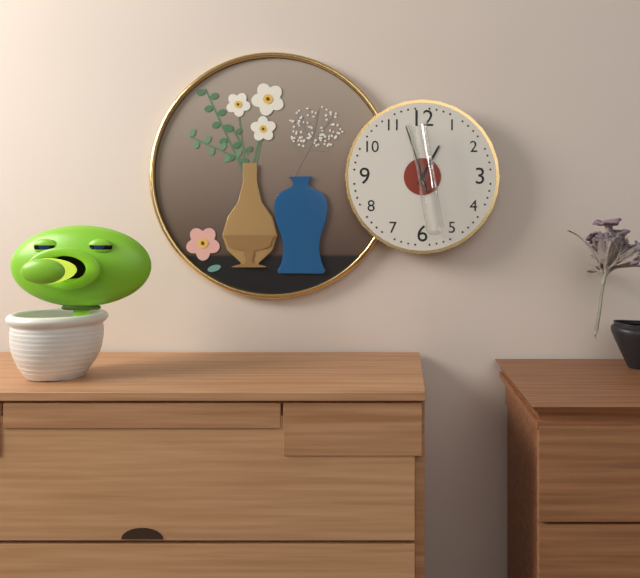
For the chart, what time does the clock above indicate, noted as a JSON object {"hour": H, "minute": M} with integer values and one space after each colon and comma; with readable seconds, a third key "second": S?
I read {"hour": 12, "minute": 57}
